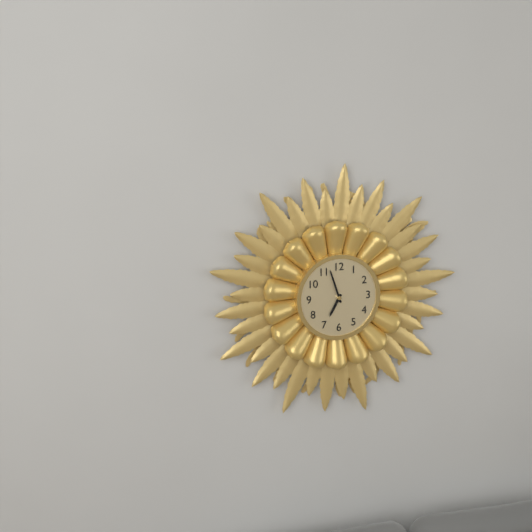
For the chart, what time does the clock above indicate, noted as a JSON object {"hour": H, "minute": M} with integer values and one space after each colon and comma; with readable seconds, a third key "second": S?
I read {"hour": 6, "minute": 57}
